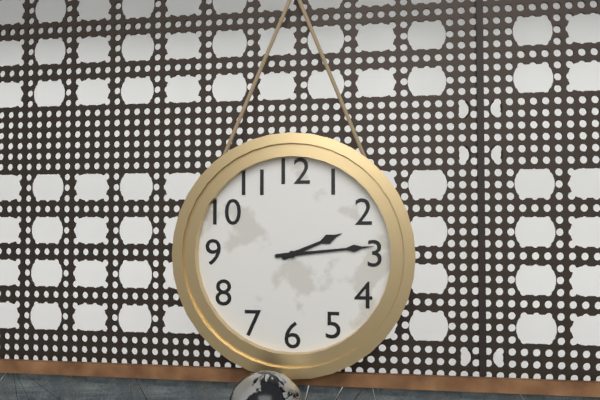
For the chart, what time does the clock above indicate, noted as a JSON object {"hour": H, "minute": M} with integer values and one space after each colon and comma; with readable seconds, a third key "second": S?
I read {"hour": 2, "minute": 14}
